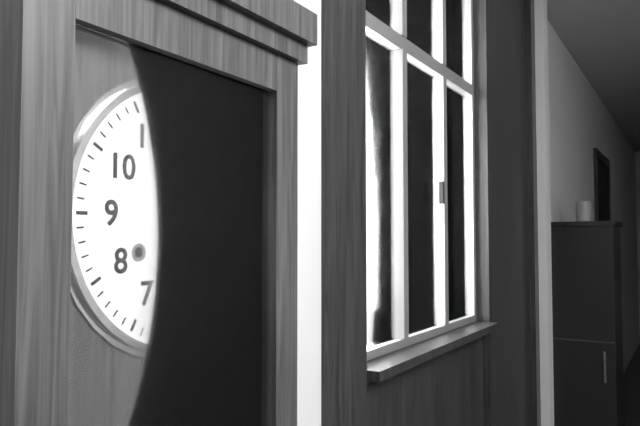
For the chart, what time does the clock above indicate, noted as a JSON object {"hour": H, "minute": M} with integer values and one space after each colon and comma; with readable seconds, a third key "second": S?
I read {"hour": 12, "minute": 32}
